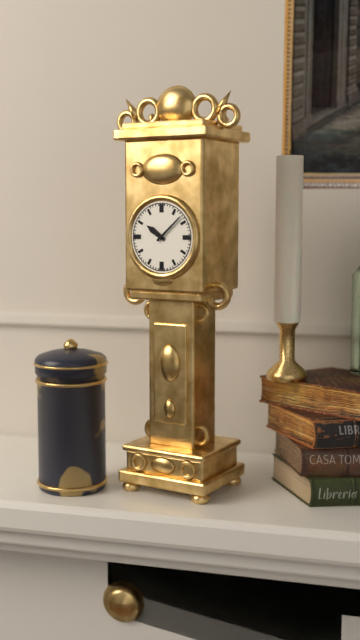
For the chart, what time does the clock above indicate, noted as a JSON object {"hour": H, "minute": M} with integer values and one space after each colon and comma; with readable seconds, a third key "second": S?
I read {"hour": 10, "minute": 8}
